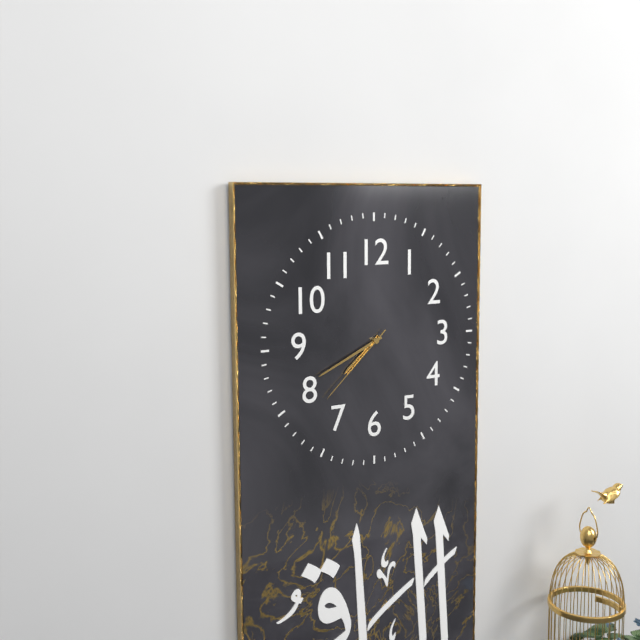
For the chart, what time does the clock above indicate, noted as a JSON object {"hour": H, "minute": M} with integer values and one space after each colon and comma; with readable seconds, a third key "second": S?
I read {"hour": 7, "minute": 41, "second": 38}
